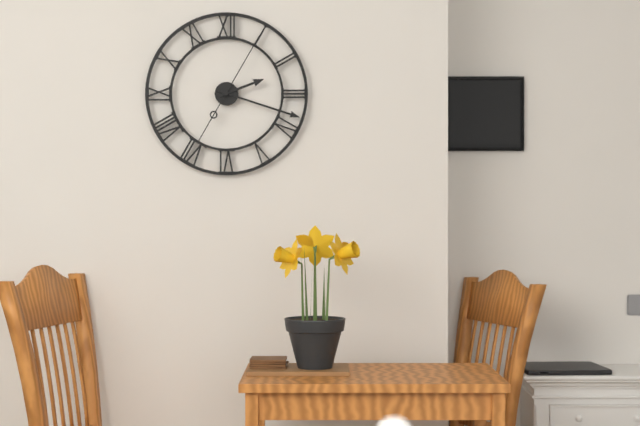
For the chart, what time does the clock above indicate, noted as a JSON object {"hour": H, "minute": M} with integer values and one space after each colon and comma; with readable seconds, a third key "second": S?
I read {"hour": 2, "minute": 18, "second": 5}
